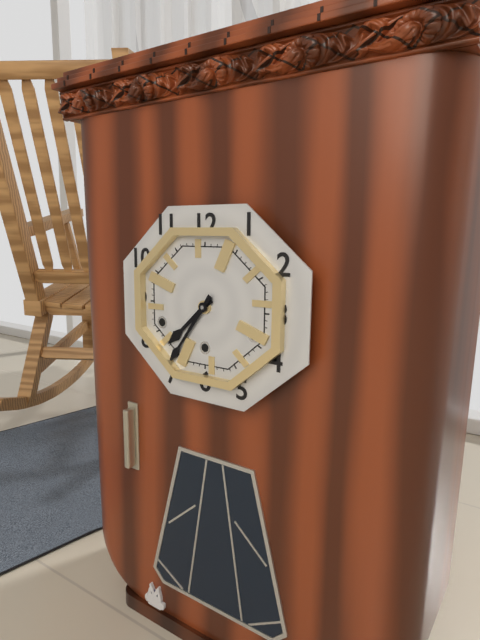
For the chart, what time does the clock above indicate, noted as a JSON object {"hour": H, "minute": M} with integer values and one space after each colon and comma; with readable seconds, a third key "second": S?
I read {"hour": 7, "minute": 36}
